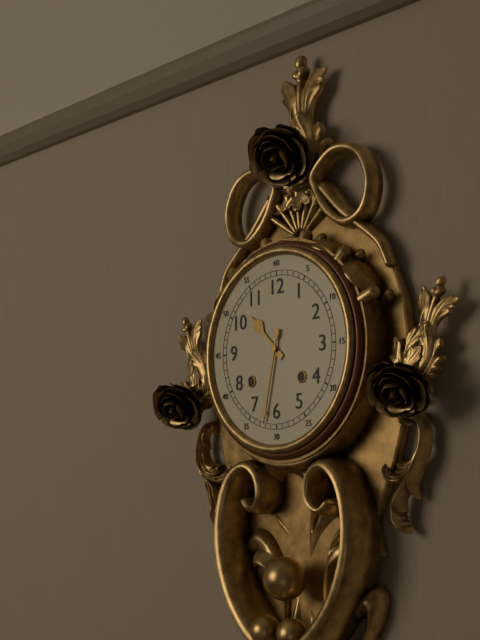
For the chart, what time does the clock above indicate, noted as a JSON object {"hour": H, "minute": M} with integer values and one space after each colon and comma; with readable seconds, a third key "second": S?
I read {"hour": 10, "minute": 32}
